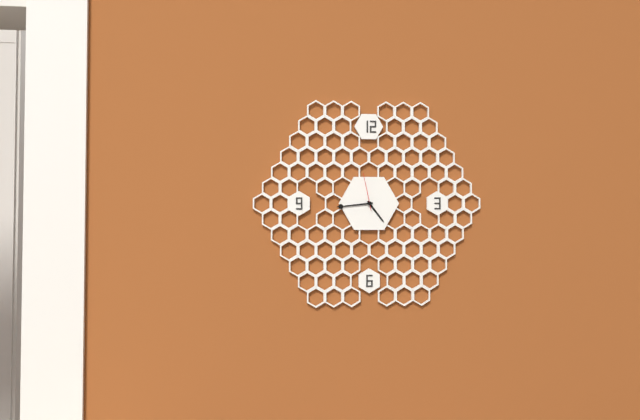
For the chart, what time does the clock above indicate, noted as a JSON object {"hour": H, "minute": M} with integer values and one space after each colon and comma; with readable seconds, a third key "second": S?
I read {"hour": 4, "minute": 44}
